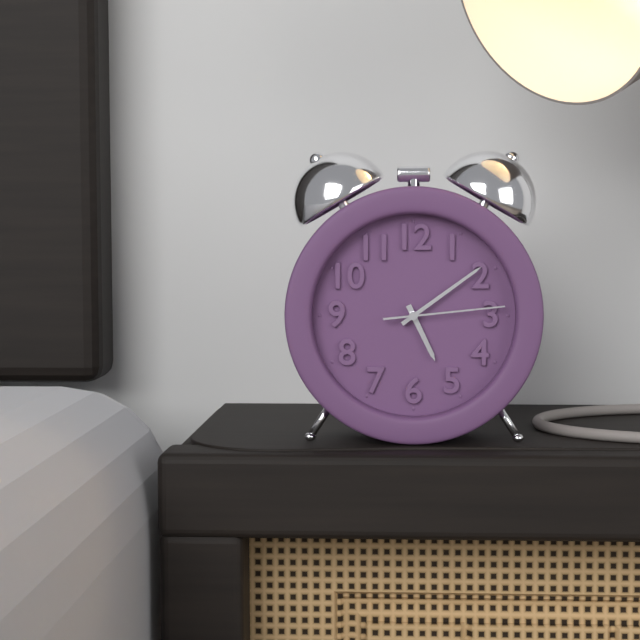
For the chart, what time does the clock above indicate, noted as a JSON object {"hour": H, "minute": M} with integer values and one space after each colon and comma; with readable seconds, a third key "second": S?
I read {"hour": 5, "minute": 9, "second": 14}
